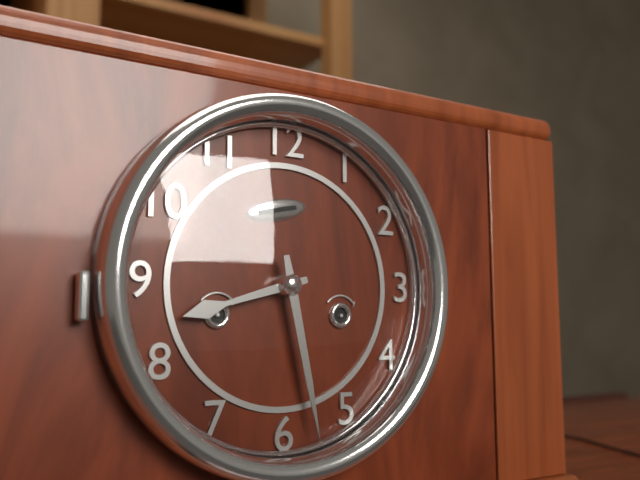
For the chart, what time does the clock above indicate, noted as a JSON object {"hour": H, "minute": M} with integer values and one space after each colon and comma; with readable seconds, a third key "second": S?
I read {"hour": 8, "minute": 28}
